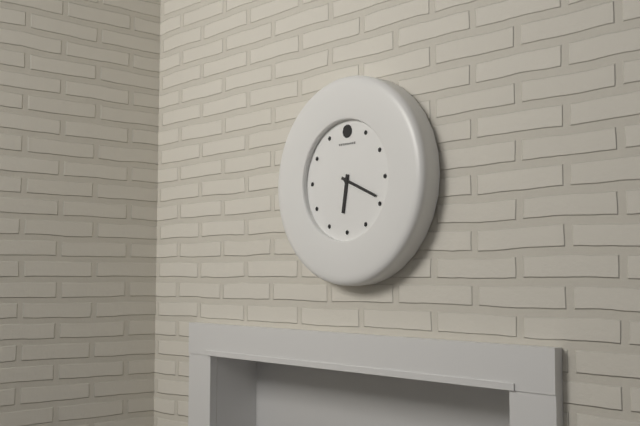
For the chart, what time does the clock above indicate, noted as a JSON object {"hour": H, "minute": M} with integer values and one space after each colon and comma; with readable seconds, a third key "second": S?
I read {"hour": 6, "minute": 19}
